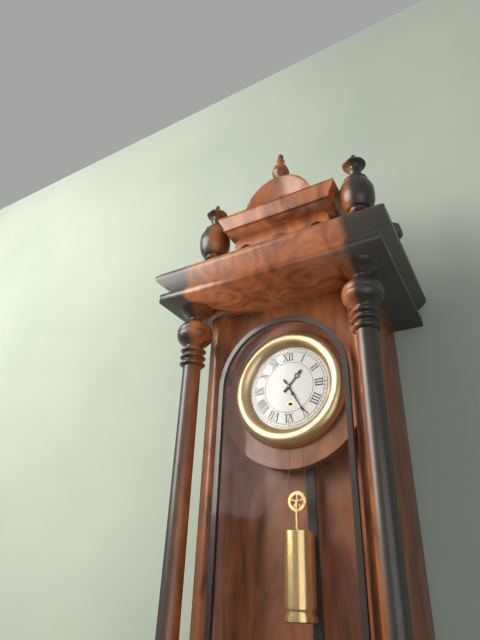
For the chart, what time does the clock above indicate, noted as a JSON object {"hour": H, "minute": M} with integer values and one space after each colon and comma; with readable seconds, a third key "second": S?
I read {"hour": 1, "minute": 25}
